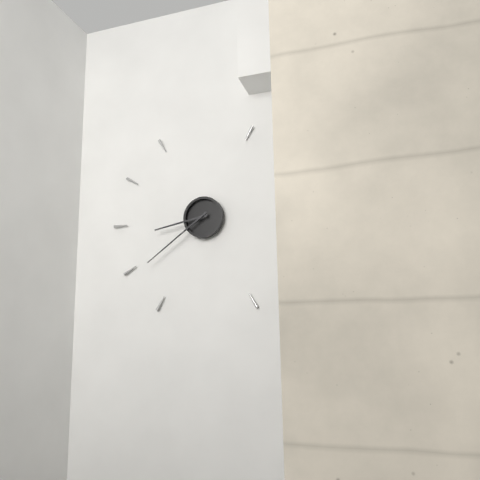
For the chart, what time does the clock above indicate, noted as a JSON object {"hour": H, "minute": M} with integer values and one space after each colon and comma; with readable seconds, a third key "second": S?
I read {"hour": 8, "minute": 39}
